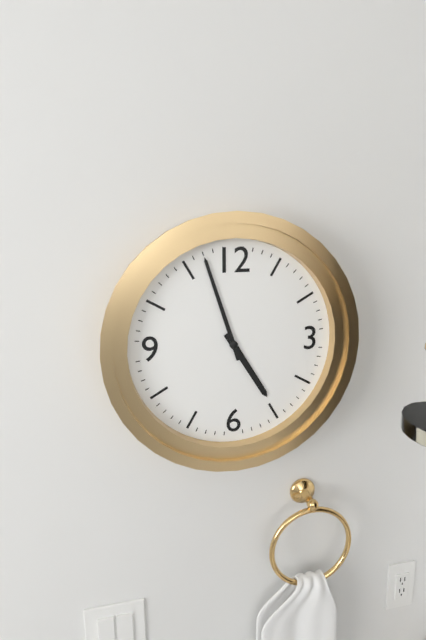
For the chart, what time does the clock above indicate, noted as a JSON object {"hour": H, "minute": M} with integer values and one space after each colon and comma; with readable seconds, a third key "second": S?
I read {"hour": 4, "minute": 57}
